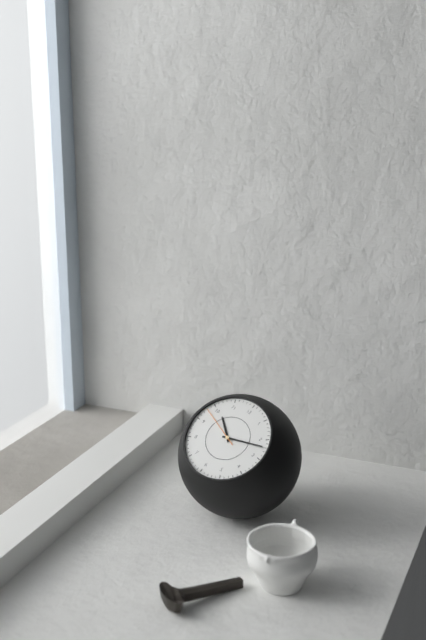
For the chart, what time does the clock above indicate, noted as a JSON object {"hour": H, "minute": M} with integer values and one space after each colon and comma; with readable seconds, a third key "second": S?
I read {"hour": 10, "minute": 12}
